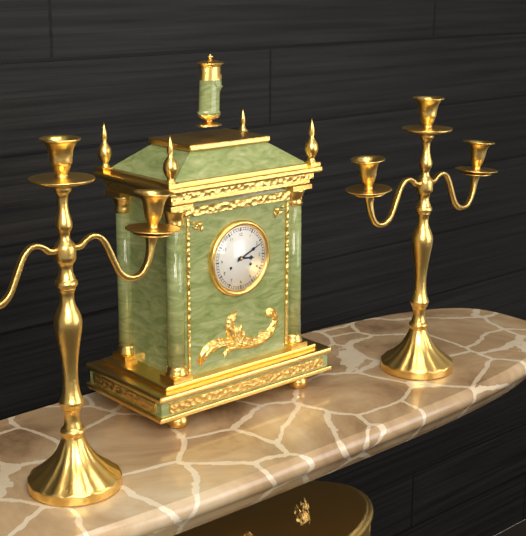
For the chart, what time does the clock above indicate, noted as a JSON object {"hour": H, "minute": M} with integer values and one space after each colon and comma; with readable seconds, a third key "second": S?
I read {"hour": 3, "minute": 11}
